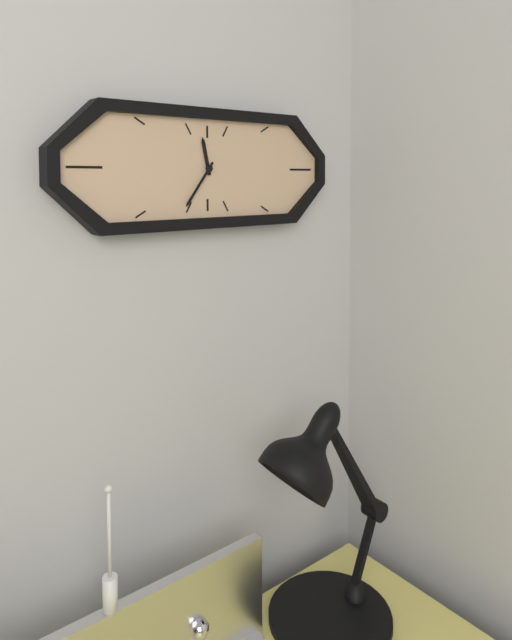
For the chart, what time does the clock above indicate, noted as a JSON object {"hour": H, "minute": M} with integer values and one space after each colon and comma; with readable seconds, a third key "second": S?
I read {"hour": 11, "minute": 36}
